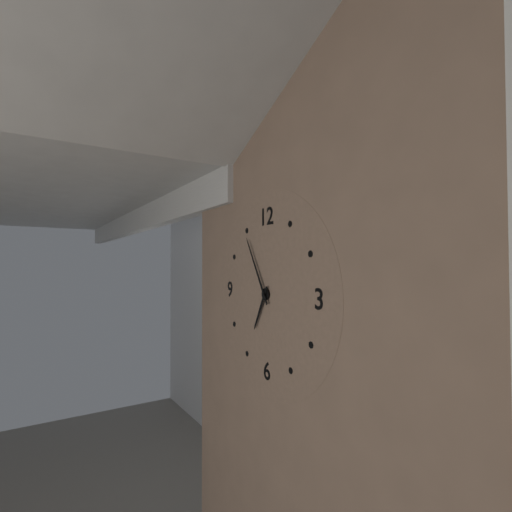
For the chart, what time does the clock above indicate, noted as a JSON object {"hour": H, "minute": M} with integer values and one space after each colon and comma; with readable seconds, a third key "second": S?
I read {"hour": 6, "minute": 55}
